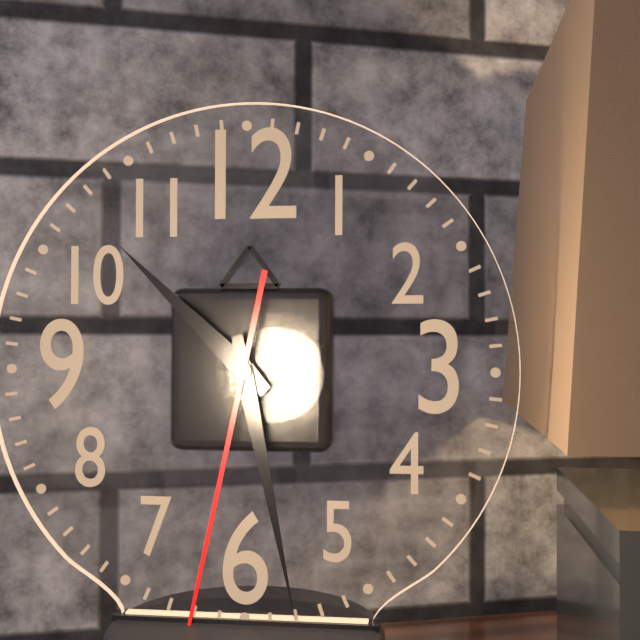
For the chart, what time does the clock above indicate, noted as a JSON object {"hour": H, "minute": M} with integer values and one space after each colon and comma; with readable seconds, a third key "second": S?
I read {"hour": 10, "minute": 28, "second": 32}
